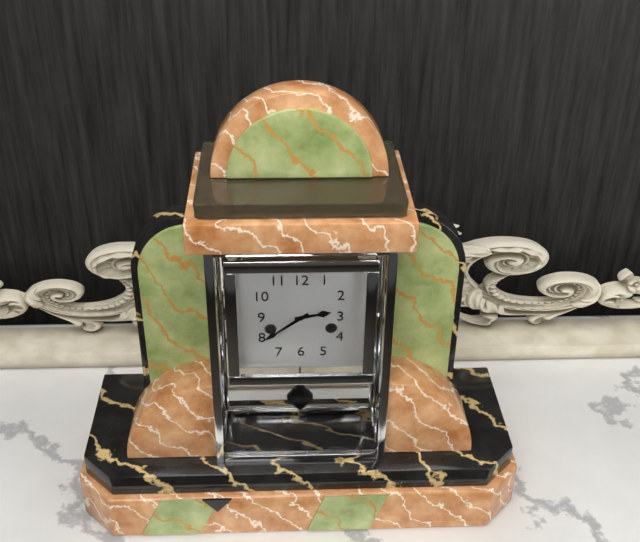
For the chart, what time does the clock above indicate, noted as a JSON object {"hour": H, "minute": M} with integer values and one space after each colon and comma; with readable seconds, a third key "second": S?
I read {"hour": 2, "minute": 39}
